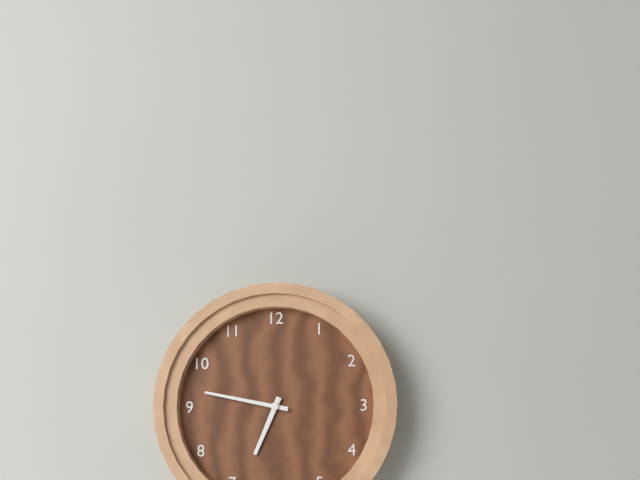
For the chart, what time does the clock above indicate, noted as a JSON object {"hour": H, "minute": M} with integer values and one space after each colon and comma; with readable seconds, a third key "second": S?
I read {"hour": 6, "minute": 47}
